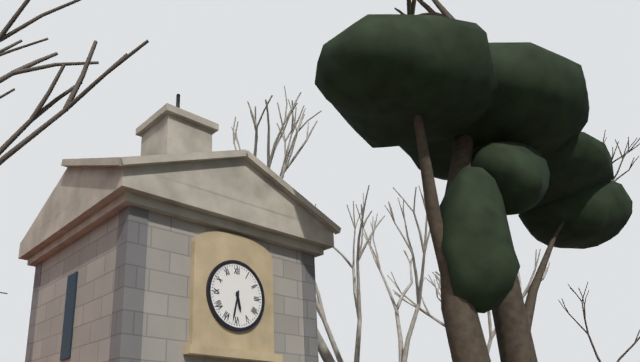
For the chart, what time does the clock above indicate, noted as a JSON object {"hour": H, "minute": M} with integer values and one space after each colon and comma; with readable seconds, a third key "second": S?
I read {"hour": 5, "minute": 32}
